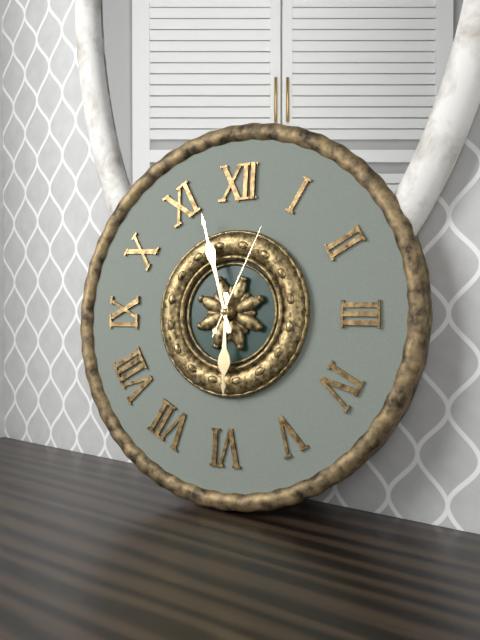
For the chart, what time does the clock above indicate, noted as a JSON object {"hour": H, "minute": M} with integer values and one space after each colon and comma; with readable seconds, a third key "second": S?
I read {"hour": 5, "minute": 57, "second": 4}
